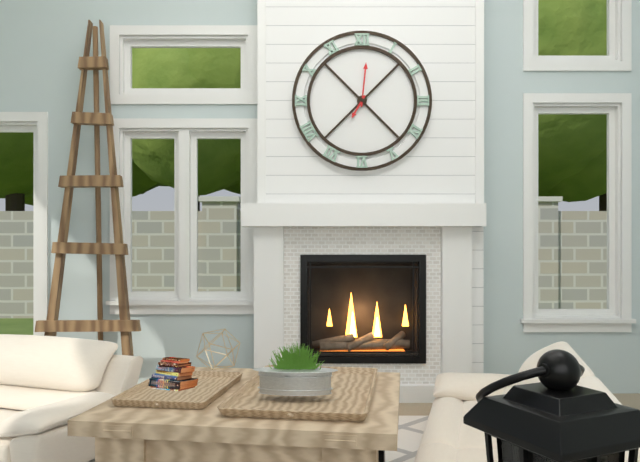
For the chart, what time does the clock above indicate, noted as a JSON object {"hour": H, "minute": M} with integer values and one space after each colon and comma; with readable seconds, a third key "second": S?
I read {"hour": 7, "minute": 1}
